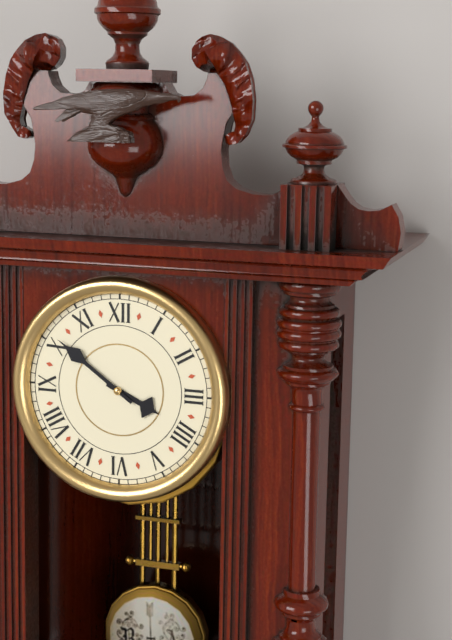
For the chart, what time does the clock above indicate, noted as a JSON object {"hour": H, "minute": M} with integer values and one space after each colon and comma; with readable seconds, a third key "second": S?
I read {"hour": 3, "minute": 51}
